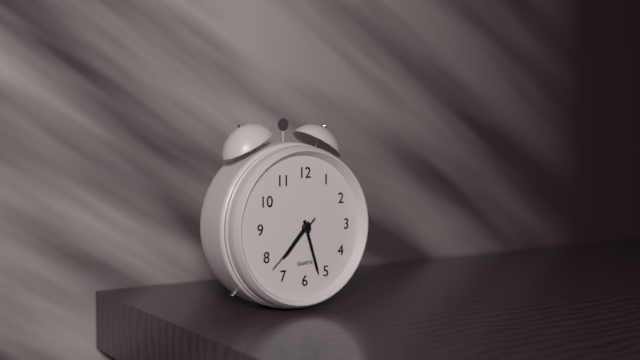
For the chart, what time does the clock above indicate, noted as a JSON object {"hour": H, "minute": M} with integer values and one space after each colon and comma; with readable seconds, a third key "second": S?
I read {"hour": 7, "minute": 27, "second": 38}
